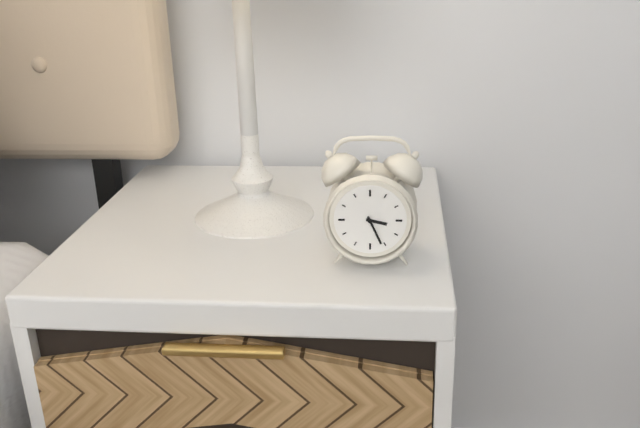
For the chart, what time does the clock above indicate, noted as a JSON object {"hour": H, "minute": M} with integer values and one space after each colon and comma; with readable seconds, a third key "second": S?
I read {"hour": 3, "minute": 26}
